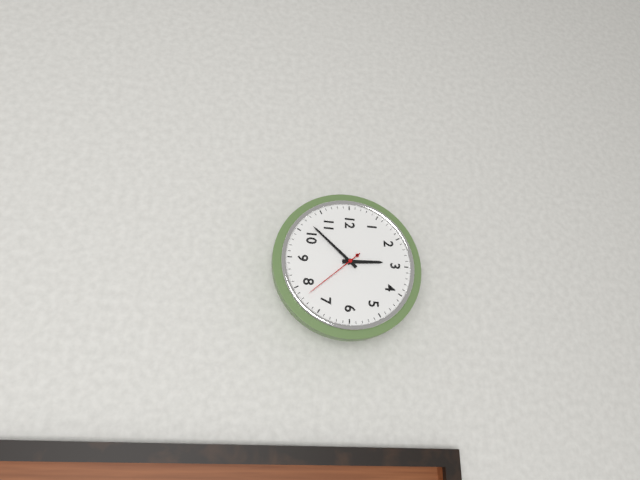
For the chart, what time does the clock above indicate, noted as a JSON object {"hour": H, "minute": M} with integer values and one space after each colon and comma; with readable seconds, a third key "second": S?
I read {"hour": 2, "minute": 52, "second": 38}
